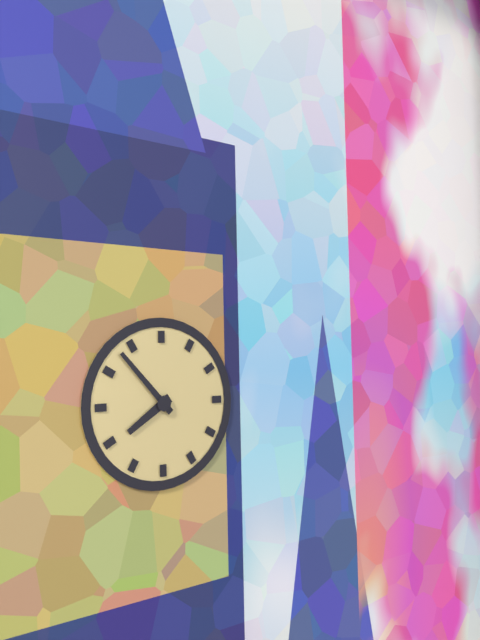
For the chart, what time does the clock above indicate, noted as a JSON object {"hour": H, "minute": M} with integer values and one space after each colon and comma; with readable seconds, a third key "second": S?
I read {"hour": 7, "minute": 53}
